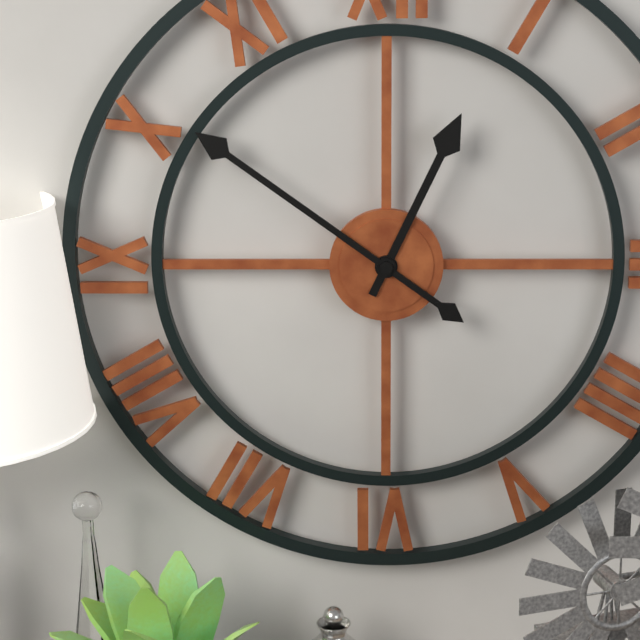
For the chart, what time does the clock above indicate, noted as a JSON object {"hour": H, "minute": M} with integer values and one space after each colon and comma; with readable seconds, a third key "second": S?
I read {"hour": 12, "minute": 51}
